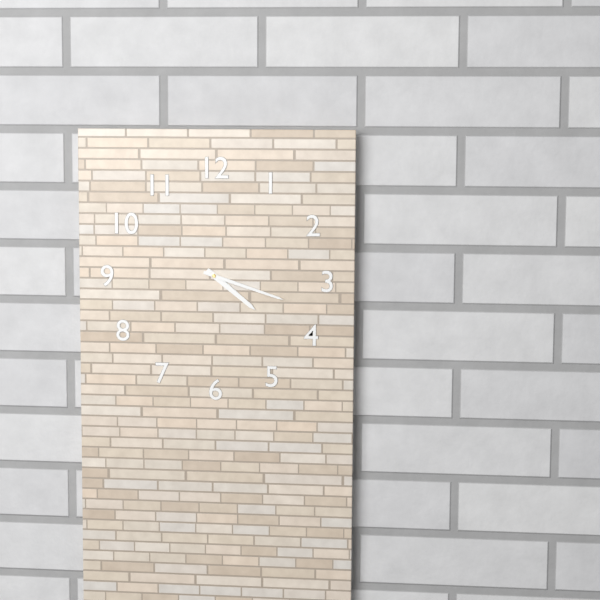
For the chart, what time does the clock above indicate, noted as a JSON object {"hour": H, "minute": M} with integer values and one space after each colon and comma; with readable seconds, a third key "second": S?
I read {"hour": 4, "minute": 18}
